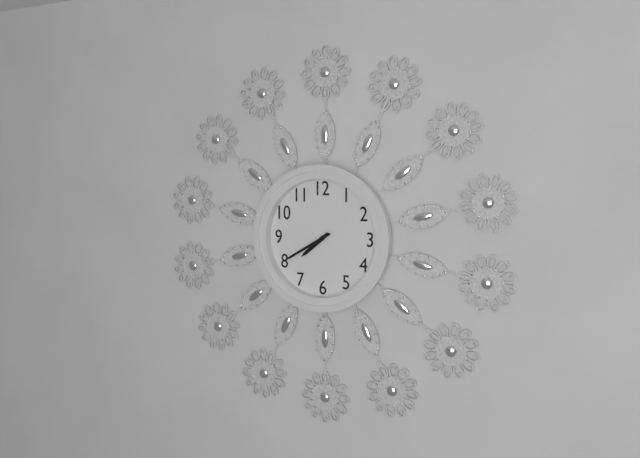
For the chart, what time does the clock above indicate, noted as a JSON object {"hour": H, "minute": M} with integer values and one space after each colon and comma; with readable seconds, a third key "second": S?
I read {"hour": 7, "minute": 40}
